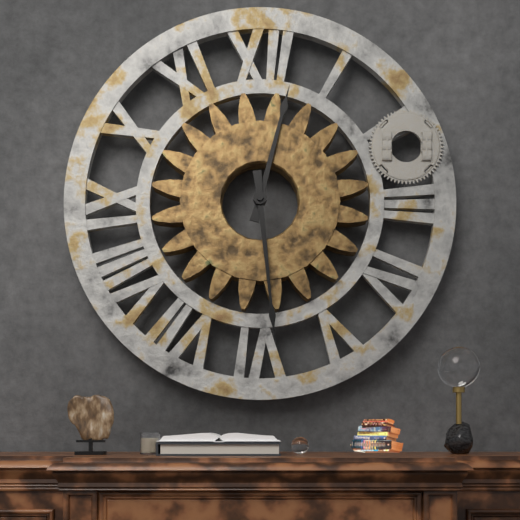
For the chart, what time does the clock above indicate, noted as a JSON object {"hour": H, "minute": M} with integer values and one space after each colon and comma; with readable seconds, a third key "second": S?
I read {"hour": 12, "minute": 29}
